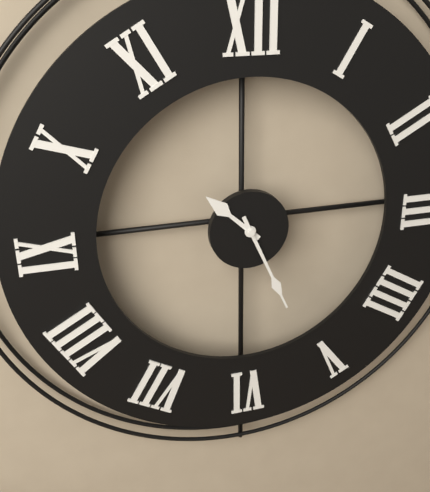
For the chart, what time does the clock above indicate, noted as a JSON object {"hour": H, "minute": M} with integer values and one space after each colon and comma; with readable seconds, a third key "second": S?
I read {"hour": 10, "minute": 26}
